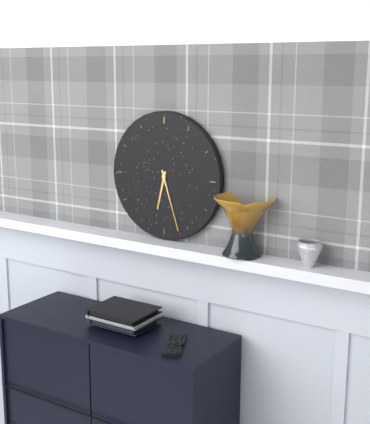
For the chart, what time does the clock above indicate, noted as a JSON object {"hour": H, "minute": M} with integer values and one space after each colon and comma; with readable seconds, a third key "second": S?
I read {"hour": 6, "minute": 27}
